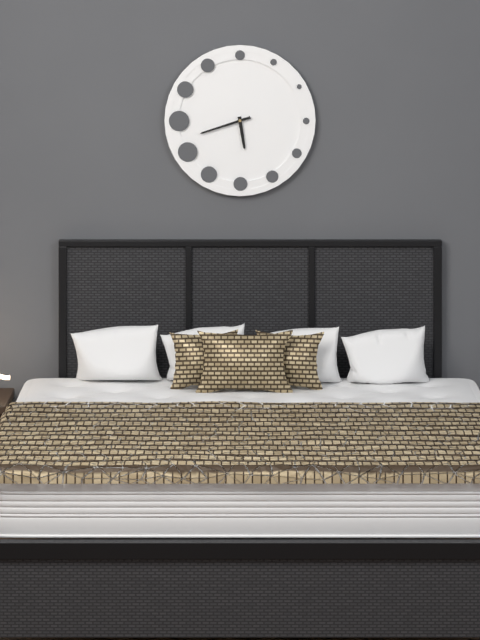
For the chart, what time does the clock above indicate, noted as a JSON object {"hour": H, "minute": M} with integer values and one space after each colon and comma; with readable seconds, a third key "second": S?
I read {"hour": 5, "minute": 42}
